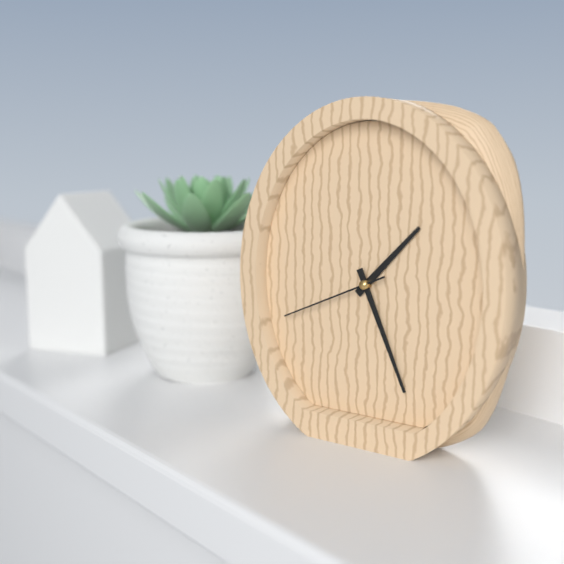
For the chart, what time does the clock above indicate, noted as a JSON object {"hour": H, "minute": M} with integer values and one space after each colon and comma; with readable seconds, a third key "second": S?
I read {"hour": 1, "minute": 26, "second": 41}
